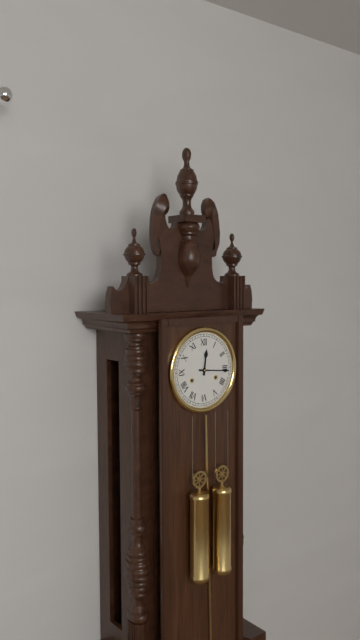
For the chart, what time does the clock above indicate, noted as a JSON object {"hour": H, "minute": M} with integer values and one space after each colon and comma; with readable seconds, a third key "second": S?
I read {"hour": 12, "minute": 16}
